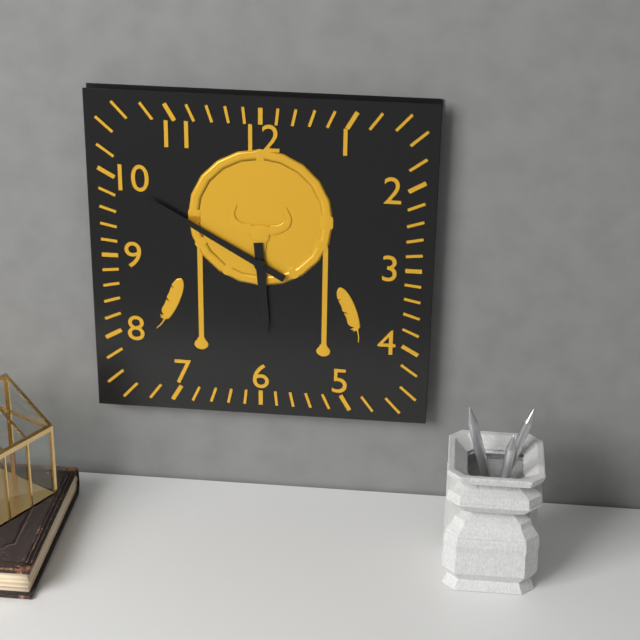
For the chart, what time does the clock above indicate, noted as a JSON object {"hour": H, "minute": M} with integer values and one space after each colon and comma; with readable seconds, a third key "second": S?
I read {"hour": 5, "minute": 50}
